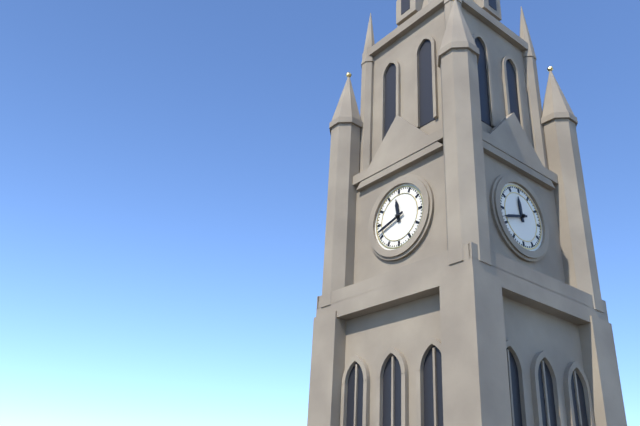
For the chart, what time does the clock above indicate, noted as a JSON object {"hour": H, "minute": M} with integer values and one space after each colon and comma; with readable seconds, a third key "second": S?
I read {"hour": 11, "minute": 42}
